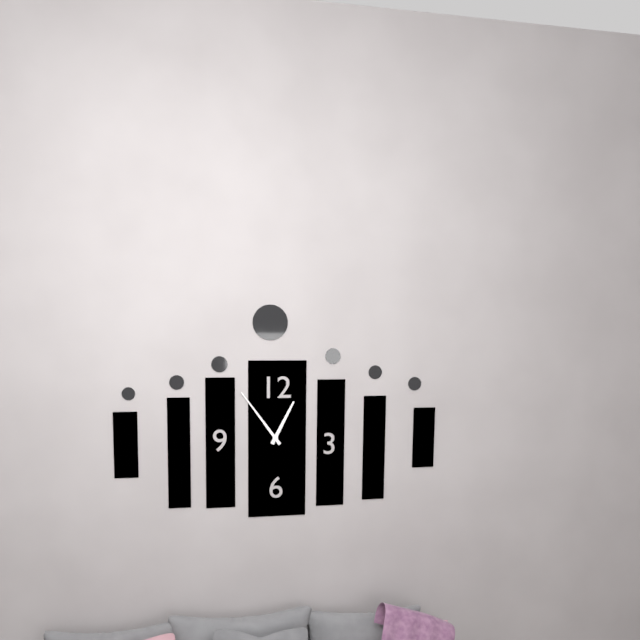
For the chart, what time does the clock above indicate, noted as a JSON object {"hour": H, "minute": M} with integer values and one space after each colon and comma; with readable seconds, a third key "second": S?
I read {"hour": 12, "minute": 54}
